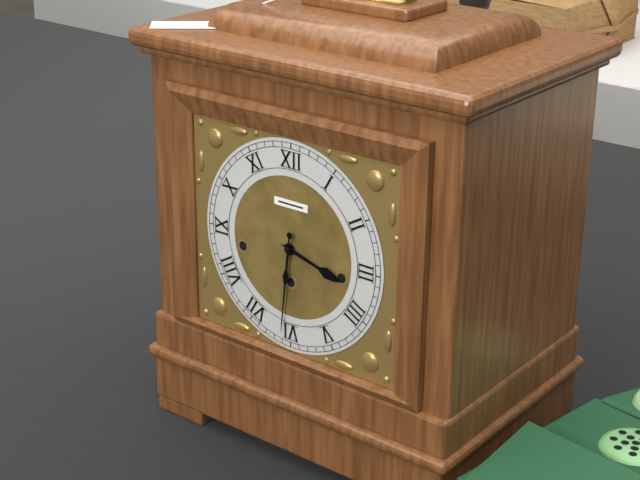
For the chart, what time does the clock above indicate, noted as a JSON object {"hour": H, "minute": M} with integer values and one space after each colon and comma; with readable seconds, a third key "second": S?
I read {"hour": 3, "minute": 31}
